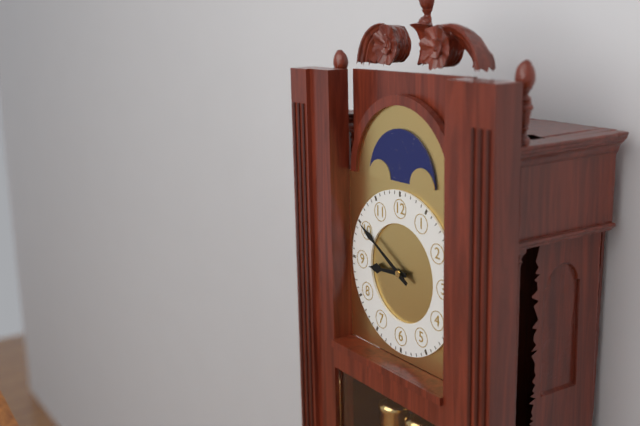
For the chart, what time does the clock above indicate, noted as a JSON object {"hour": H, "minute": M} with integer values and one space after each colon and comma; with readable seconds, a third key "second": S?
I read {"hour": 8, "minute": 50}
